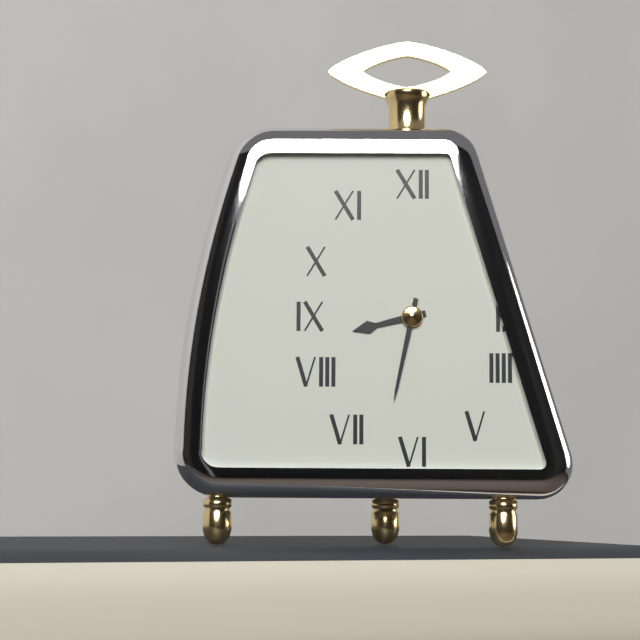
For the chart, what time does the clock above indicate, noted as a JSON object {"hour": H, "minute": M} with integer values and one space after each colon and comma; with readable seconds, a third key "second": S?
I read {"hour": 8, "minute": 32}
